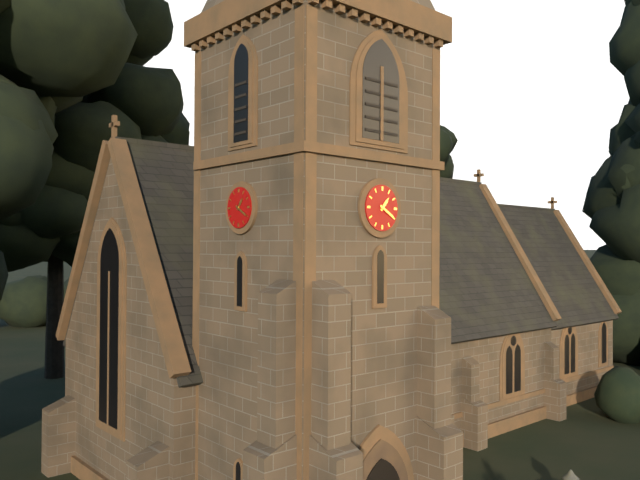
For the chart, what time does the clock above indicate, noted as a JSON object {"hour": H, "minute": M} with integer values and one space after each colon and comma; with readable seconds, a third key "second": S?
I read {"hour": 1, "minute": 20}
